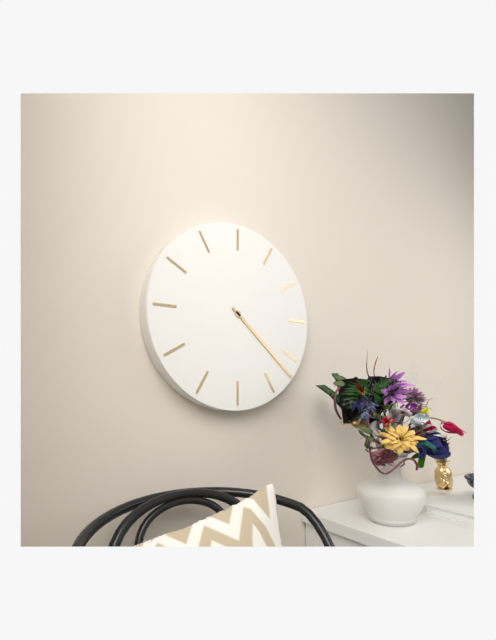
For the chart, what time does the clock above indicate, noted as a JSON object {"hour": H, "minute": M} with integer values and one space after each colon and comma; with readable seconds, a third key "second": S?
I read {"hour": 4, "minute": 22}
